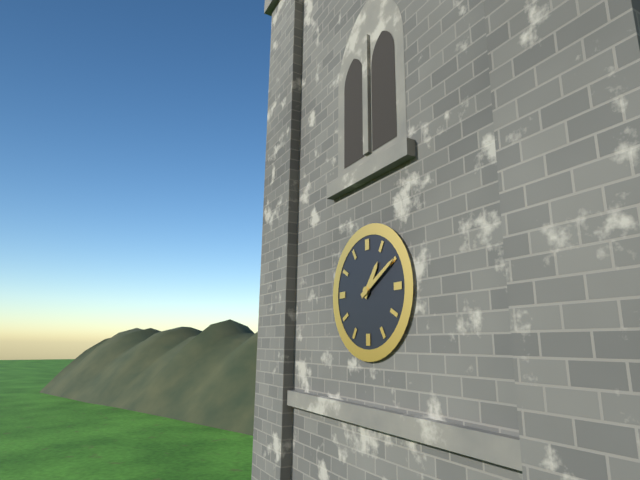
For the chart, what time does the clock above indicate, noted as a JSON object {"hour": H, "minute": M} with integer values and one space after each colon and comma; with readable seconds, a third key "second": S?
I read {"hour": 1, "minute": 10}
